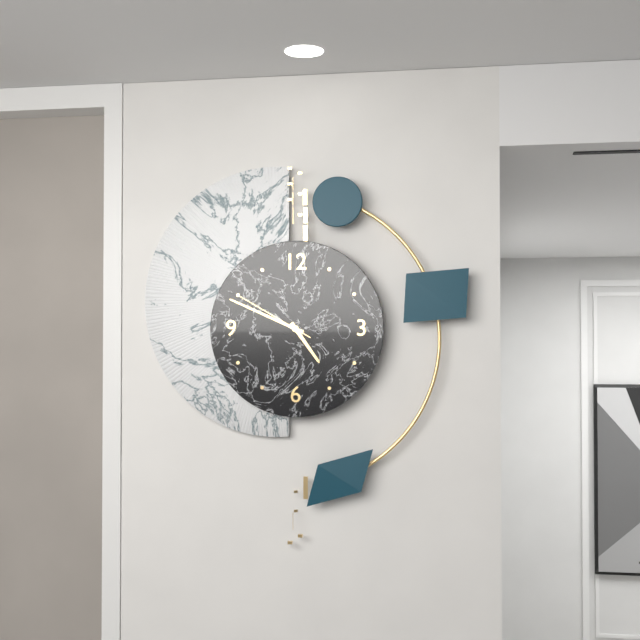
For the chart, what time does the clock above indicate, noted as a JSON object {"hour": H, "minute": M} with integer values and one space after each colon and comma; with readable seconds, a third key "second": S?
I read {"hour": 4, "minute": 49, "second": 50}
